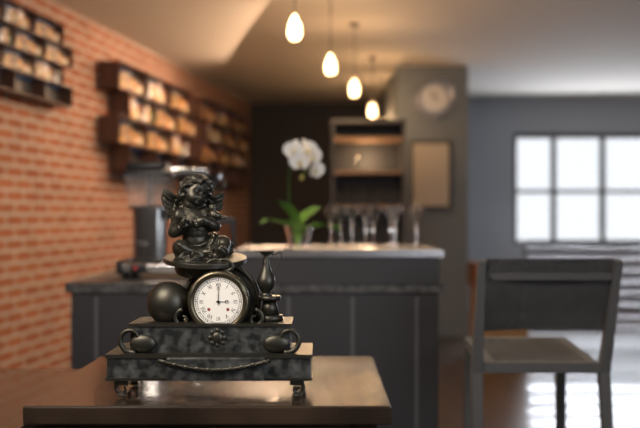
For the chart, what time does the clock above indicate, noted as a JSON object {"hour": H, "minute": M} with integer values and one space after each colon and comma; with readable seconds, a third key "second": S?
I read {"hour": 3, "minute": 0}
